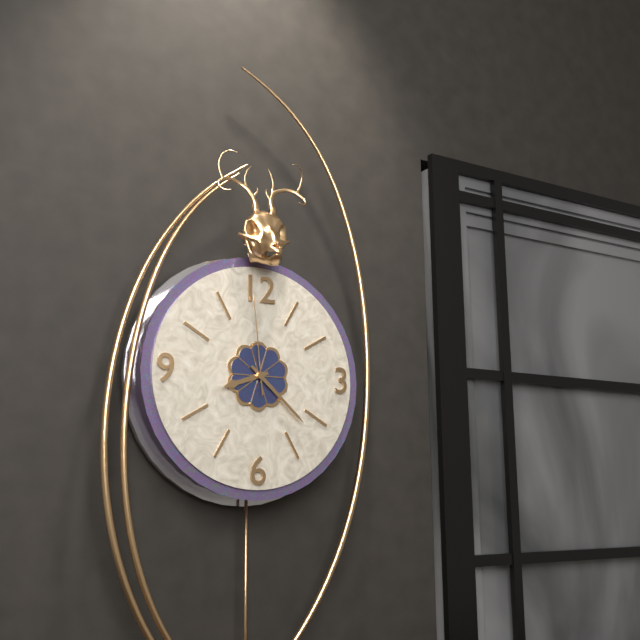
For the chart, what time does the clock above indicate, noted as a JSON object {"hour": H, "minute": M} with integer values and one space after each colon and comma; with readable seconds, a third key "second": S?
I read {"hour": 8, "minute": 22, "second": 59}
